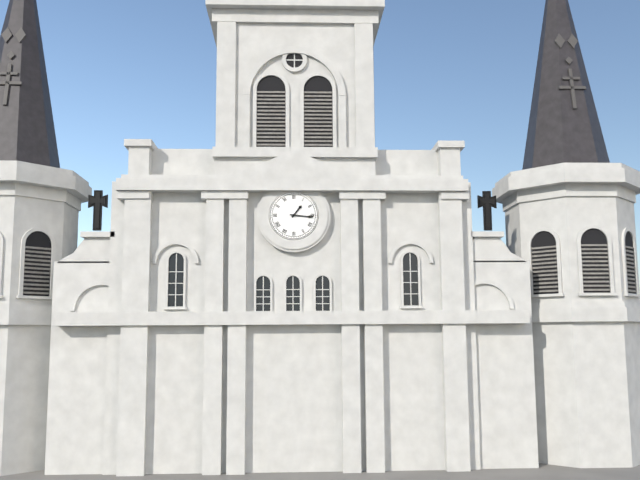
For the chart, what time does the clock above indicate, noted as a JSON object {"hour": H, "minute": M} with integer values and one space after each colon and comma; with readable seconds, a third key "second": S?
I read {"hour": 1, "minute": 16}
